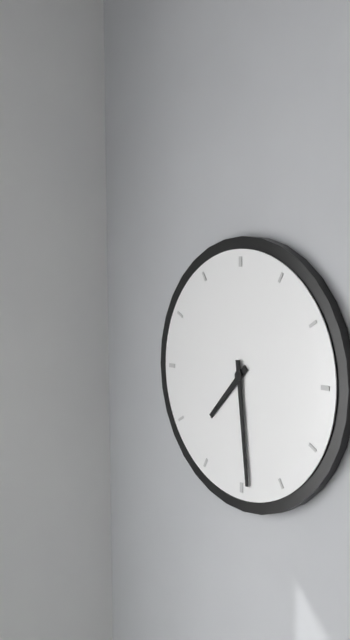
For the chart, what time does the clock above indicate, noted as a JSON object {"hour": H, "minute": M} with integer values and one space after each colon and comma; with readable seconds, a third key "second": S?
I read {"hour": 7, "minute": 29}
